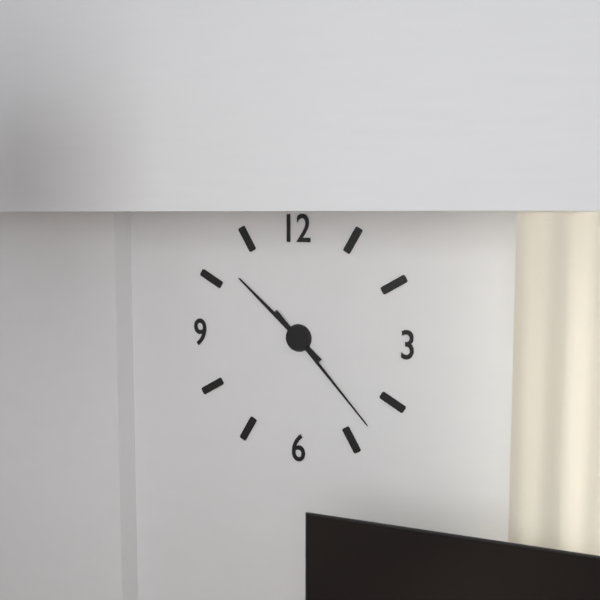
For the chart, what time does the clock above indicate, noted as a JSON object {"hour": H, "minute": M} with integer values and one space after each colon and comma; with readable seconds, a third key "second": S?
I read {"hour": 10, "minute": 23}
